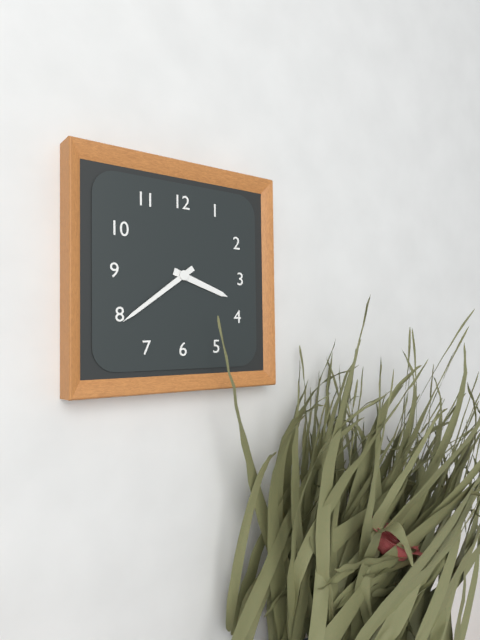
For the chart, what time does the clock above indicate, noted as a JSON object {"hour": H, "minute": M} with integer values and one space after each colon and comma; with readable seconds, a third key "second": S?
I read {"hour": 3, "minute": 39}
